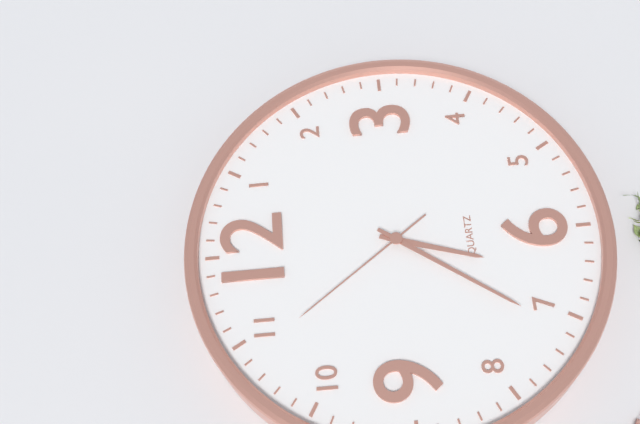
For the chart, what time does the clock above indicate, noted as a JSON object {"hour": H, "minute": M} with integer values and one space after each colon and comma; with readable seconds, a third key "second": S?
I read {"hour": 6, "minute": 36, "second": 54}
